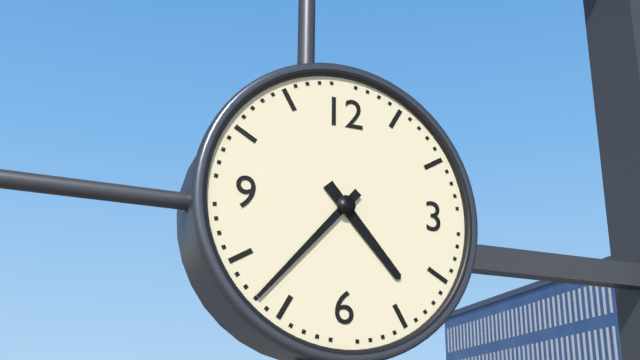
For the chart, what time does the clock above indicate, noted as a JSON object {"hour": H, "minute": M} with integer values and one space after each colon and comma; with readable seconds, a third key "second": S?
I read {"hour": 4, "minute": 37}
